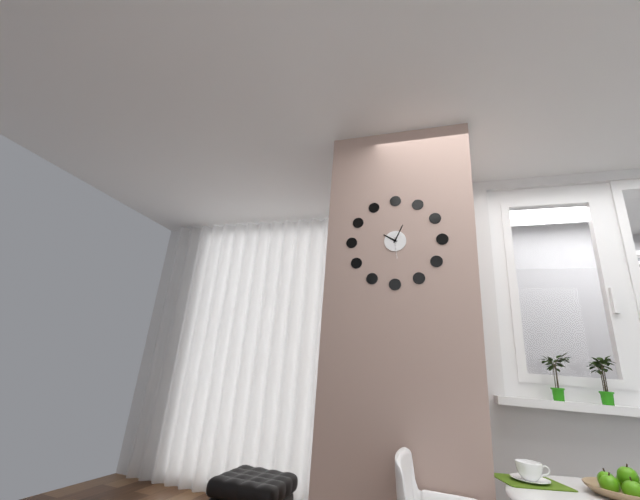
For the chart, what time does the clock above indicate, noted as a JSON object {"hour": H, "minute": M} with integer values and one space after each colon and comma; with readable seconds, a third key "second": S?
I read {"hour": 10, "minute": 4}
